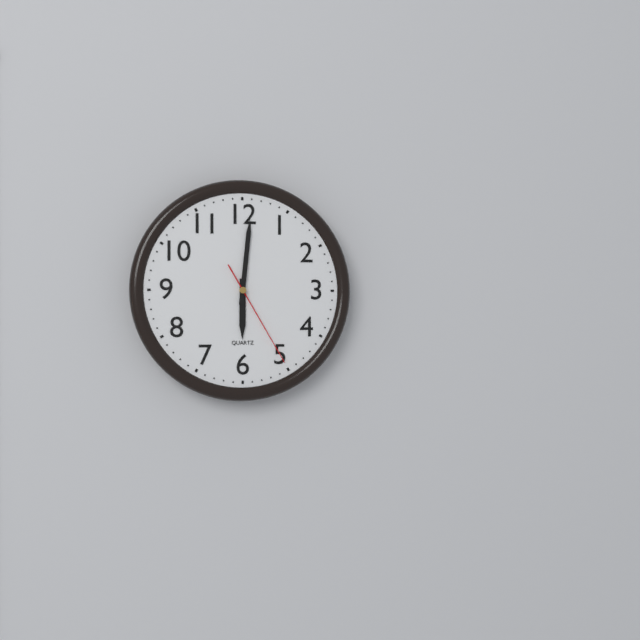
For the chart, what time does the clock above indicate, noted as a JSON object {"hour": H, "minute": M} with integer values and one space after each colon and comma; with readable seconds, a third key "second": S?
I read {"hour": 6, "minute": 1, "second": 25}
